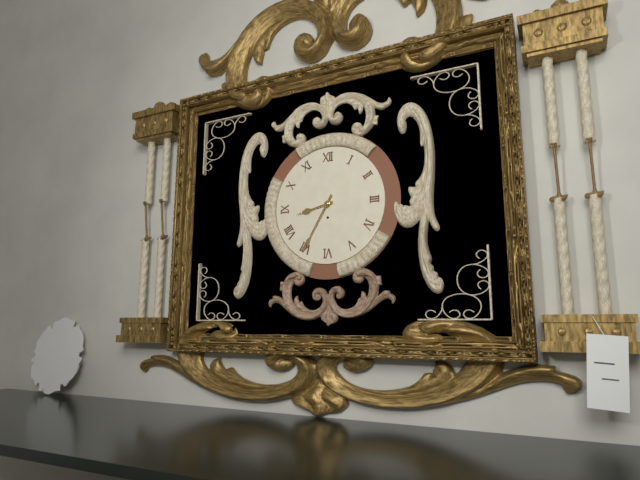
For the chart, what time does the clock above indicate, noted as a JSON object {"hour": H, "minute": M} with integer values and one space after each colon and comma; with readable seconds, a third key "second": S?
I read {"hour": 8, "minute": 35}
